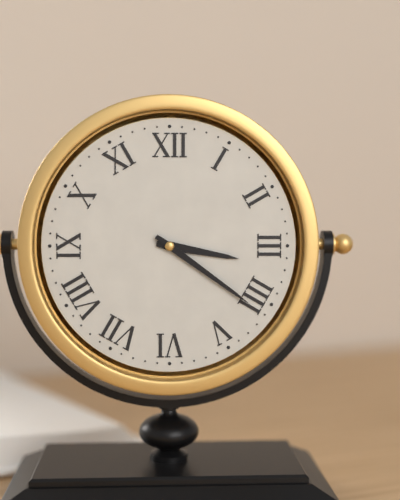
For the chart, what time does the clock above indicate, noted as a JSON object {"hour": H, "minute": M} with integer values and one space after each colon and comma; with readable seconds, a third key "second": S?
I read {"hour": 3, "minute": 21}
